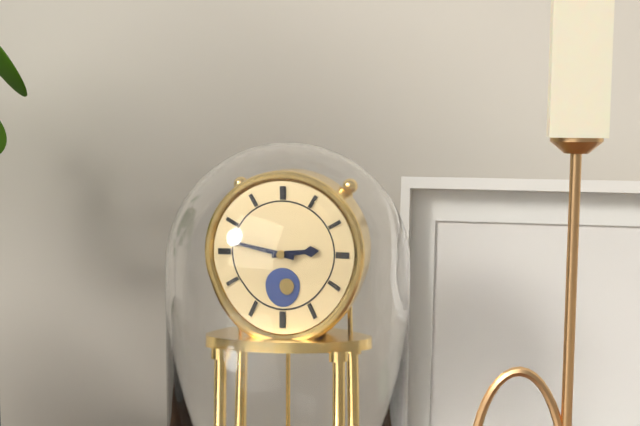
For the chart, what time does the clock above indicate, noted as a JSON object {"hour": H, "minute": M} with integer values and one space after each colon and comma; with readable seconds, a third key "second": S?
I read {"hour": 2, "minute": 47}
